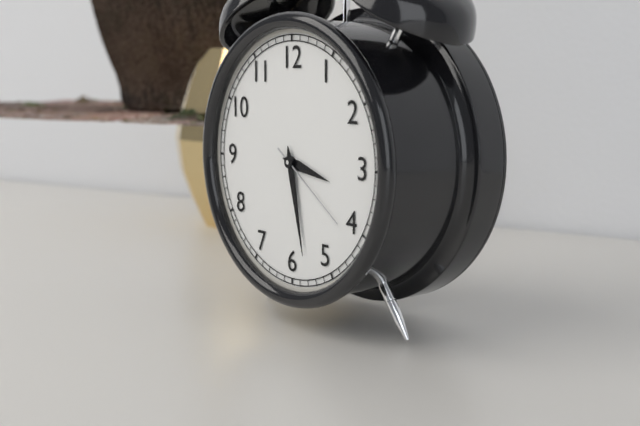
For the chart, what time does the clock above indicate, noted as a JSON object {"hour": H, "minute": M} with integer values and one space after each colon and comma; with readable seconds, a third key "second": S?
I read {"hour": 3, "minute": 28, "second": 21}
